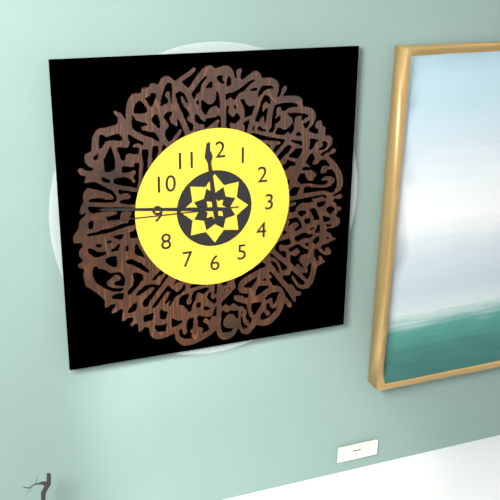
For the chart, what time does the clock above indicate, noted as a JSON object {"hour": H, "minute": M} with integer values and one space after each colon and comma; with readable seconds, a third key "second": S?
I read {"hour": 11, "minute": 46, "second": 45}
